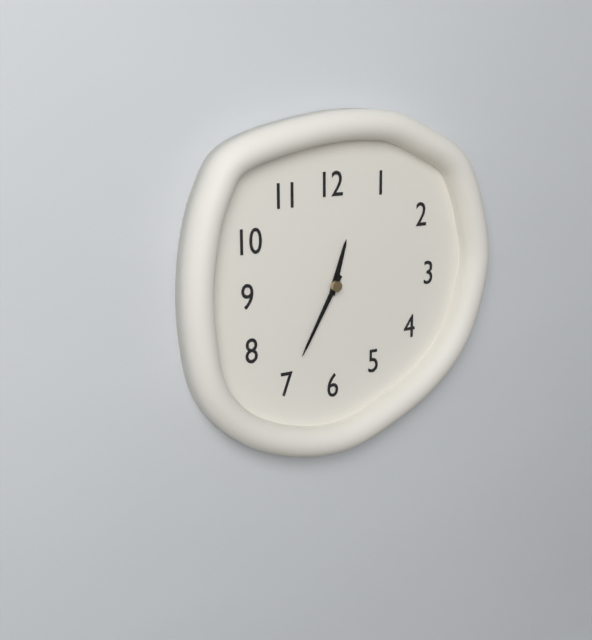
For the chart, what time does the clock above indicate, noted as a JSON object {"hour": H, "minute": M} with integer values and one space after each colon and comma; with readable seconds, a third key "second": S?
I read {"hour": 12, "minute": 35}
